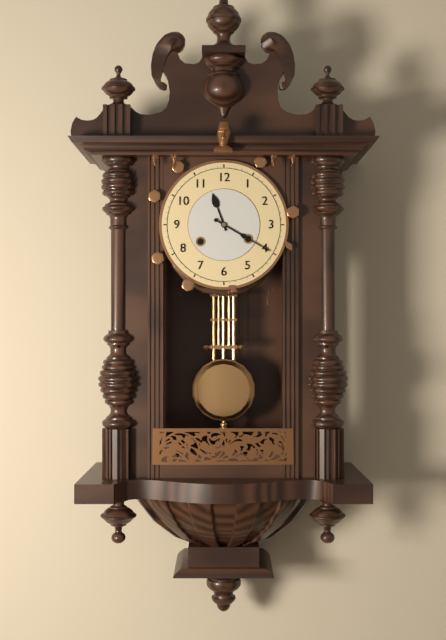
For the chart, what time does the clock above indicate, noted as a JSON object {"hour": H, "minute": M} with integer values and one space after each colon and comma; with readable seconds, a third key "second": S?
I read {"hour": 11, "minute": 20}
